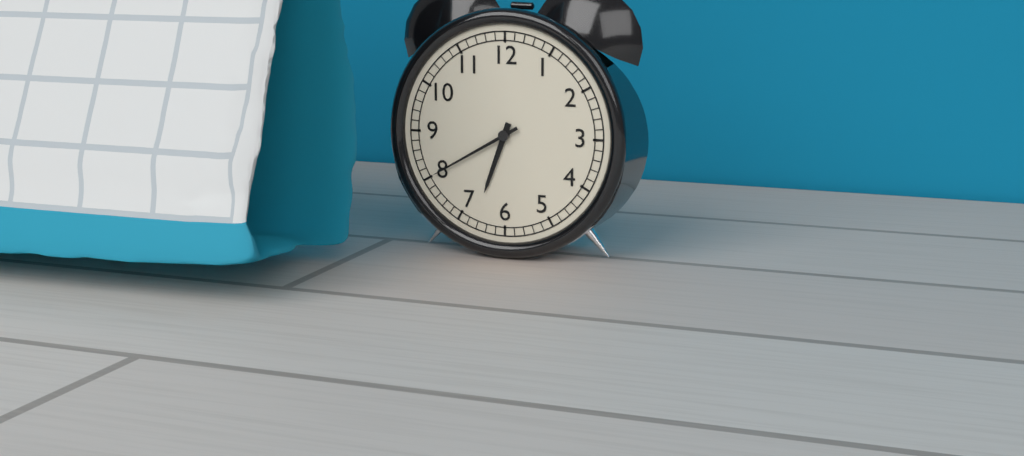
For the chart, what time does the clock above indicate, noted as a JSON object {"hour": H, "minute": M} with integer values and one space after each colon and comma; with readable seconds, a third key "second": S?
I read {"hour": 6, "minute": 40}
